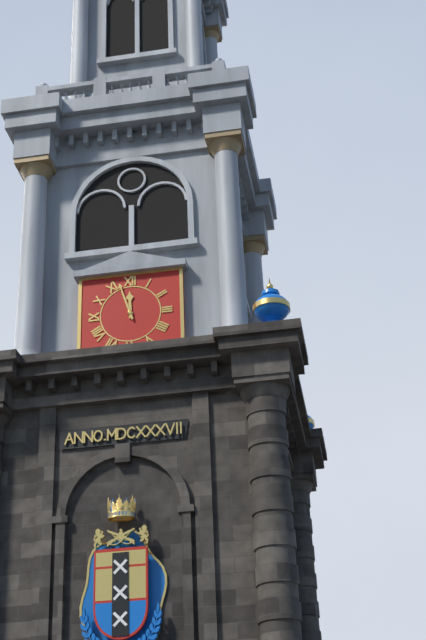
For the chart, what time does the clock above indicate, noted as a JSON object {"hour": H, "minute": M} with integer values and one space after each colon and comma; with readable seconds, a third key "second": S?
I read {"hour": 11, "minute": 57}
